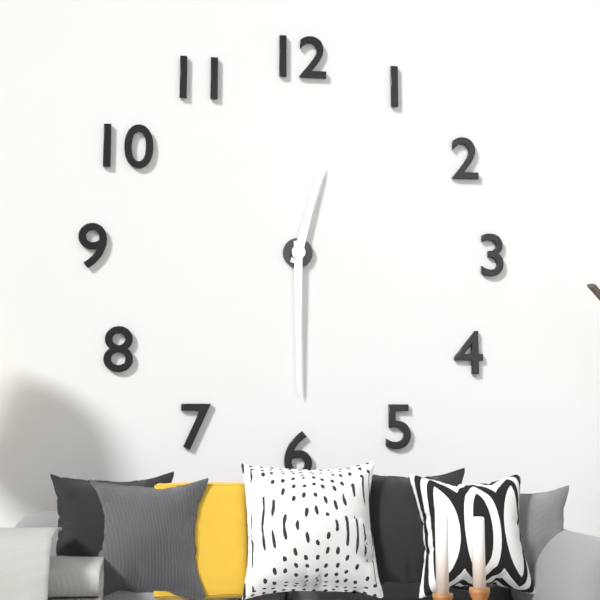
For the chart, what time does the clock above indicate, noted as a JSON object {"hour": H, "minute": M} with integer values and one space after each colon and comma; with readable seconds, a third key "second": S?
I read {"hour": 12, "minute": 30}
